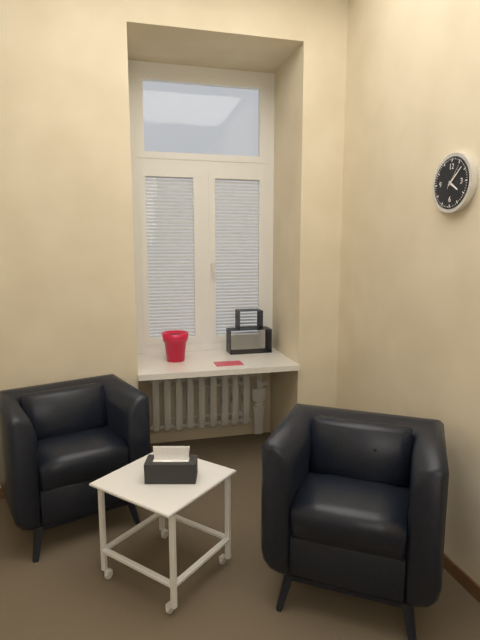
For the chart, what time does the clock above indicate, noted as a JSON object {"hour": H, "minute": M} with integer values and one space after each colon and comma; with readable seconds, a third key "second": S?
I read {"hour": 4, "minute": 8}
